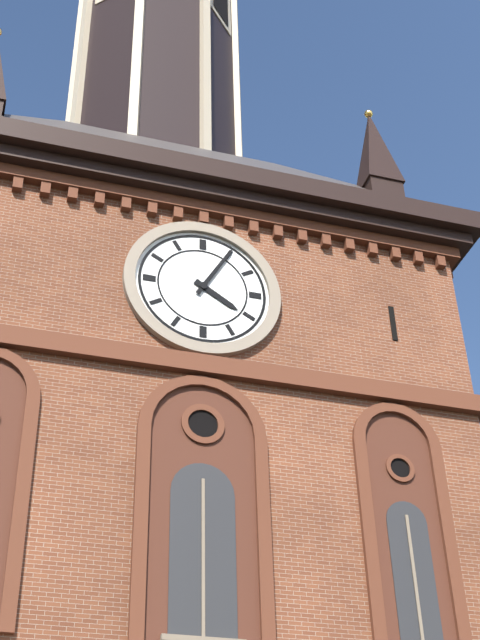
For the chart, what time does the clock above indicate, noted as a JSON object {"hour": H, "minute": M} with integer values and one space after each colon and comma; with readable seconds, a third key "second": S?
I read {"hour": 4, "minute": 5}
